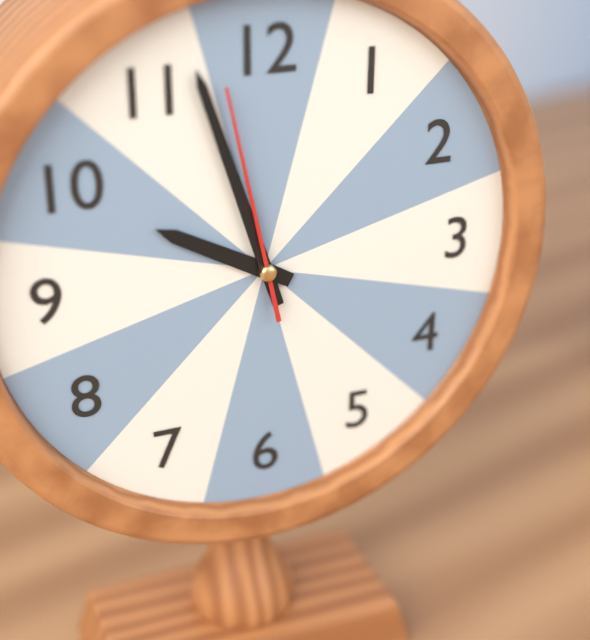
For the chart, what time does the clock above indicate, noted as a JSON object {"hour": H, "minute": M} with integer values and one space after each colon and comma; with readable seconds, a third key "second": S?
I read {"hour": 9, "minute": 57, "second": 58}
